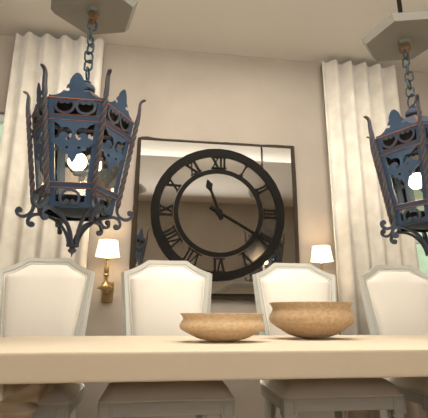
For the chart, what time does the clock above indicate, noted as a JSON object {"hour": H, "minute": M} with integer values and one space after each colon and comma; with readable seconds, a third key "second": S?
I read {"hour": 11, "minute": 20}
